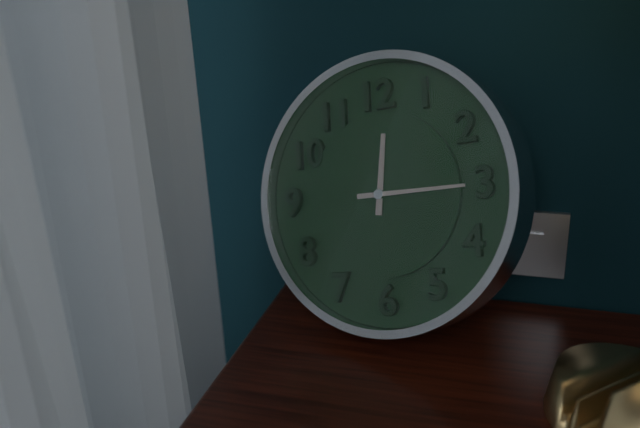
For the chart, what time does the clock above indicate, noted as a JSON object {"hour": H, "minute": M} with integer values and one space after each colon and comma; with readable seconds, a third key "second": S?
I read {"hour": 12, "minute": 15}
